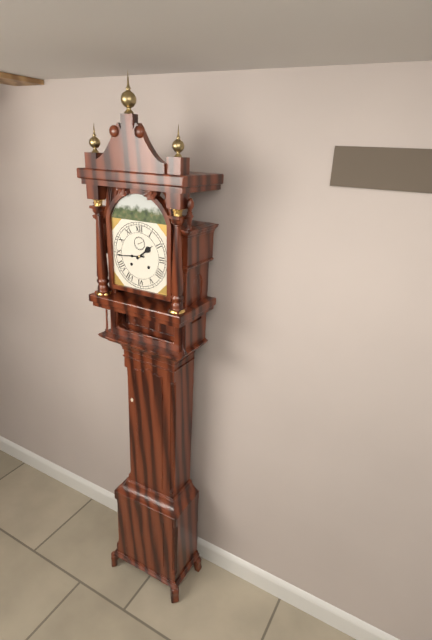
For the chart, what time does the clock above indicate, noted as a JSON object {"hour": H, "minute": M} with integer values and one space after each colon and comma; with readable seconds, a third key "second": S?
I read {"hour": 1, "minute": 44}
